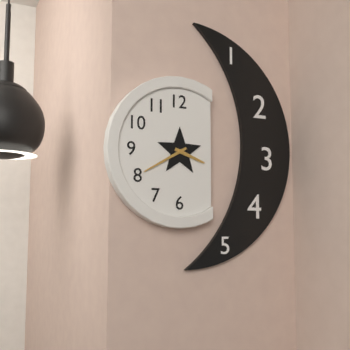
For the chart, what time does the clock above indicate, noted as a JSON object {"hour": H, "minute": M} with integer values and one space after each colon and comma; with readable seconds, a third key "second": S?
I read {"hour": 3, "minute": 40}
